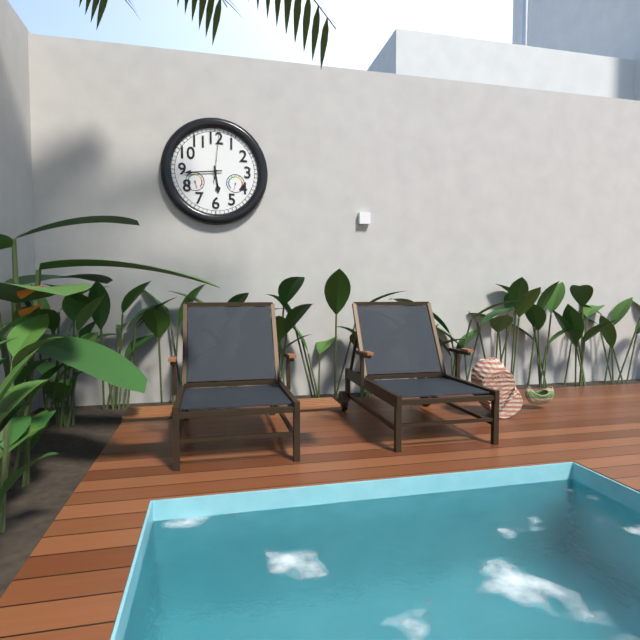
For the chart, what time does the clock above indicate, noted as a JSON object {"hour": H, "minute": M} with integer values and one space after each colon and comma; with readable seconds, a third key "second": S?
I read {"hour": 5, "minute": 44}
